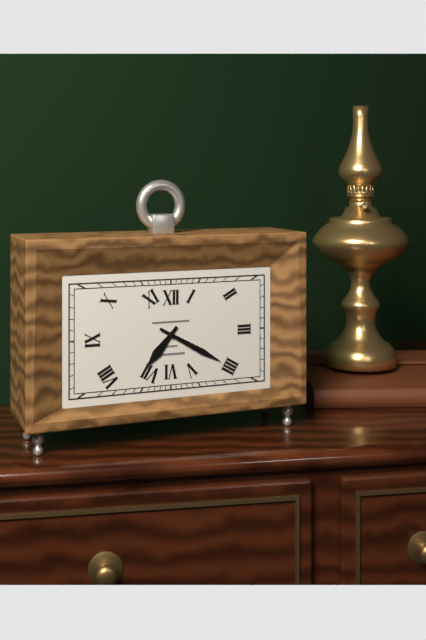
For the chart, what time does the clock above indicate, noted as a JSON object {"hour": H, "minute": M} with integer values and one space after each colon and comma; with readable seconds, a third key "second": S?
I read {"hour": 7, "minute": 20}
